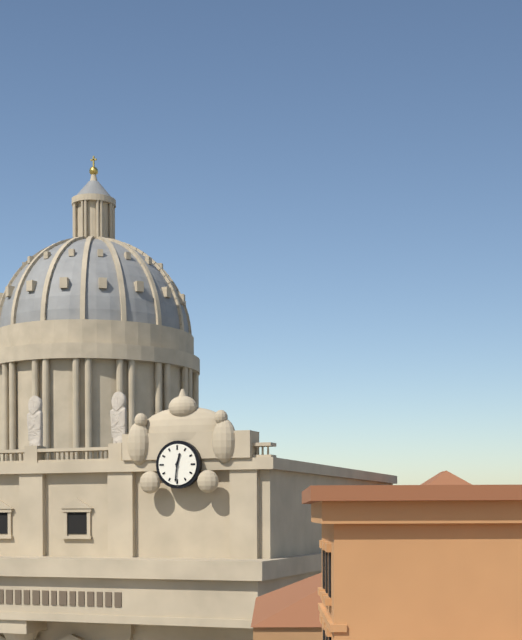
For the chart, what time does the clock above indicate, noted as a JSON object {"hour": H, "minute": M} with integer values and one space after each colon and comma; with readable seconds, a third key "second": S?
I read {"hour": 12, "minute": 31}
